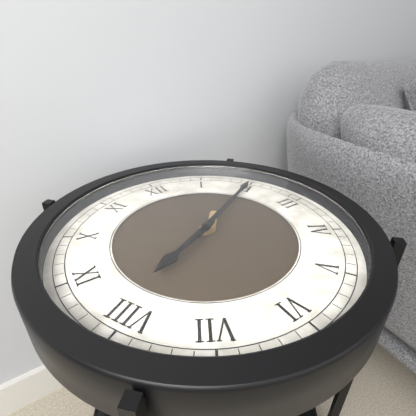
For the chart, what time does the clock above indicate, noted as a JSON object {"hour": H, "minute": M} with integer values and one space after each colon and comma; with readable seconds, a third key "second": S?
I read {"hour": 8, "minute": 10}
